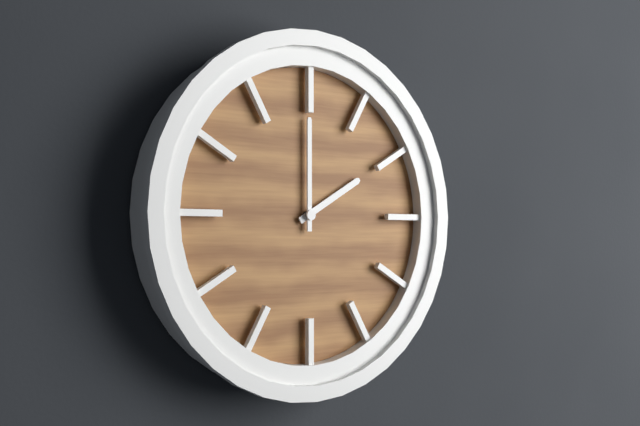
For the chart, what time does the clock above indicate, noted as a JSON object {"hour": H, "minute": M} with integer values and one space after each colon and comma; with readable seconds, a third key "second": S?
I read {"hour": 2, "minute": 0}
